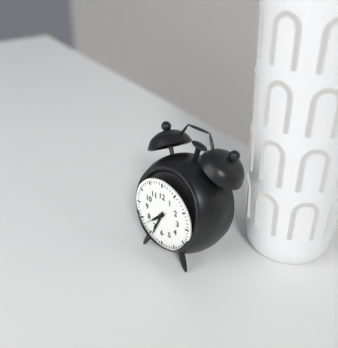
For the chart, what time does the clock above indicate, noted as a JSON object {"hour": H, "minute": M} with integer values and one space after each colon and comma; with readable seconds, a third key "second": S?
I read {"hour": 7, "minute": 34}
